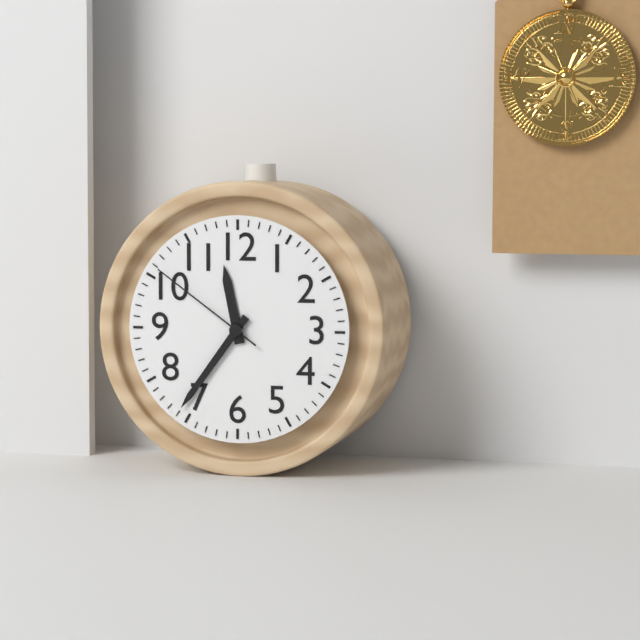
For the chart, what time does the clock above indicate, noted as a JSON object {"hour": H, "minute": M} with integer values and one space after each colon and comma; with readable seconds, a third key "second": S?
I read {"hour": 11, "minute": 36, "second": 51}
